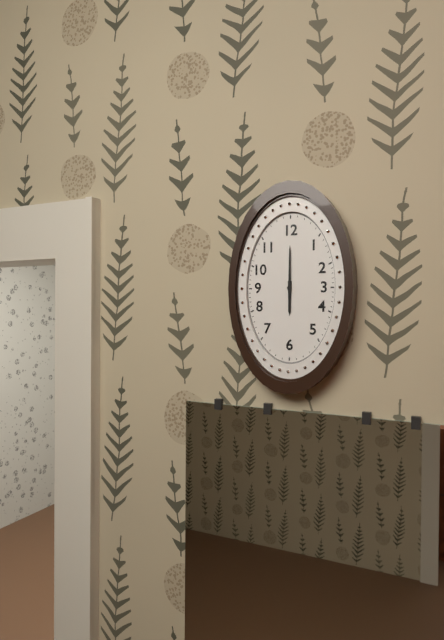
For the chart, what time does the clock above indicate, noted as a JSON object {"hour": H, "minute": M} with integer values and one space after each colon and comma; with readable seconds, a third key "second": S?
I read {"hour": 6, "minute": 0}
